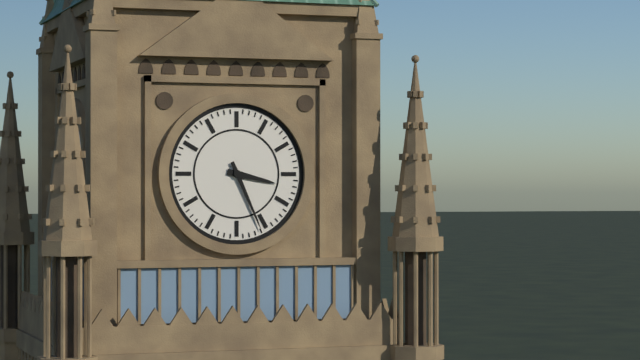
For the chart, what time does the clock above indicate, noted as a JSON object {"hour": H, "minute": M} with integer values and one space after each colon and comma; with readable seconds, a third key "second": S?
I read {"hour": 3, "minute": 26}
